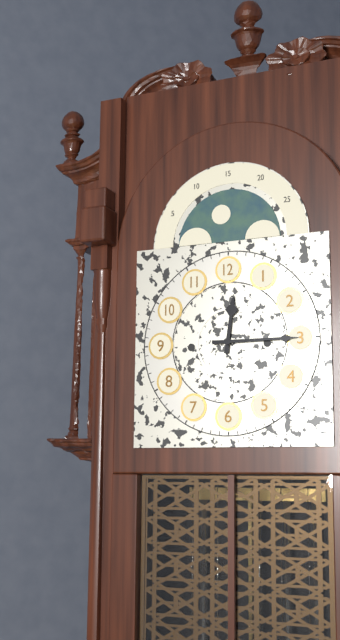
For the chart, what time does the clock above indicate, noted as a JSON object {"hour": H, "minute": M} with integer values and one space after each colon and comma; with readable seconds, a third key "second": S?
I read {"hour": 12, "minute": 15}
